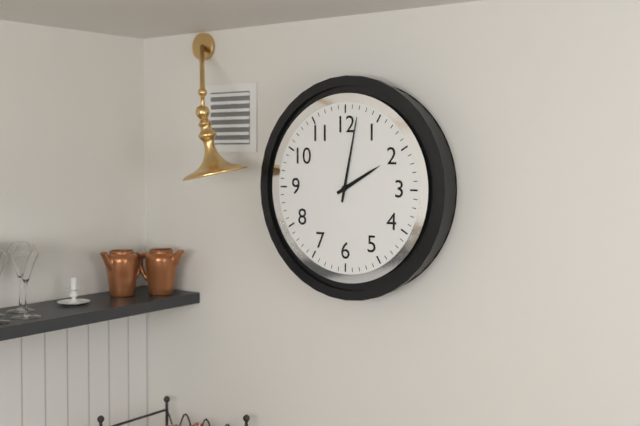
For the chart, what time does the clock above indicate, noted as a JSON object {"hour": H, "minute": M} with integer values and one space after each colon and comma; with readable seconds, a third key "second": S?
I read {"hour": 2, "minute": 2}
